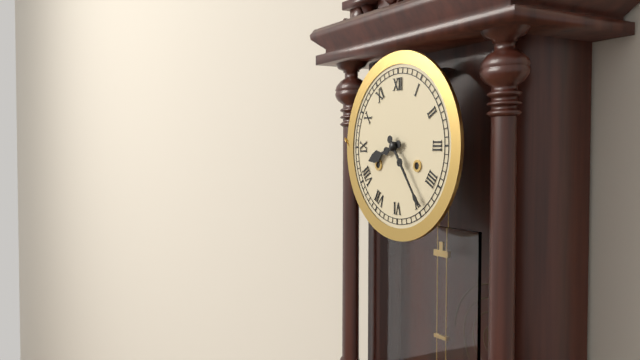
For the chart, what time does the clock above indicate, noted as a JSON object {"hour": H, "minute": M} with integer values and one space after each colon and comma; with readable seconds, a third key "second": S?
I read {"hour": 8, "minute": 24}
